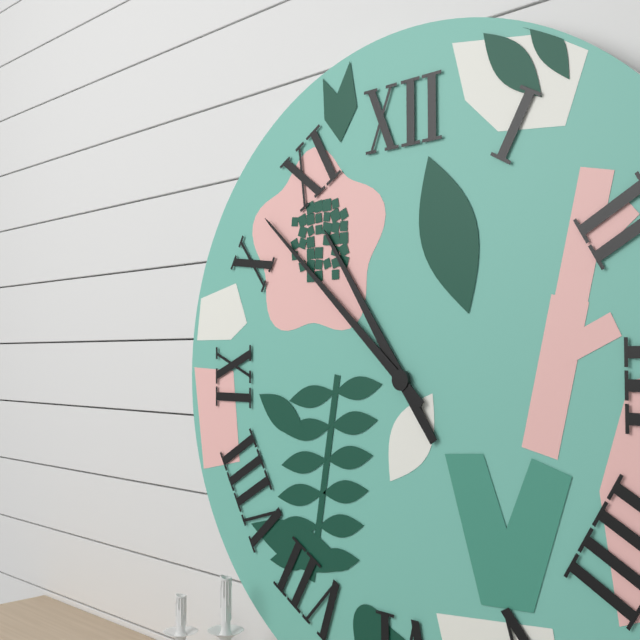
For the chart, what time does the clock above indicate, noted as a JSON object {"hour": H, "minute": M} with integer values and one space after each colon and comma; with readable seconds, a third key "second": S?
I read {"hour": 10, "minute": 52}
